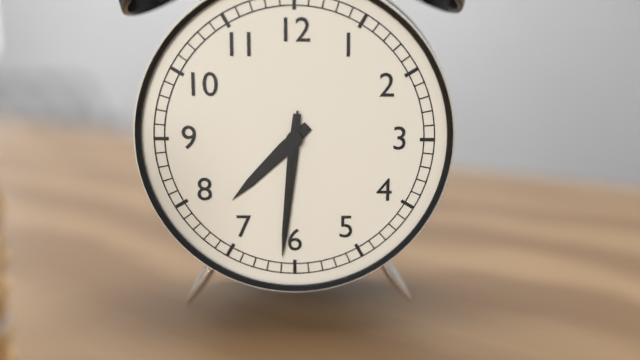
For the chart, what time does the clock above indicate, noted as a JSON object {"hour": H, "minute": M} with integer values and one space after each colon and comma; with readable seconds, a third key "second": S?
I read {"hour": 7, "minute": 31, "second": 31}
